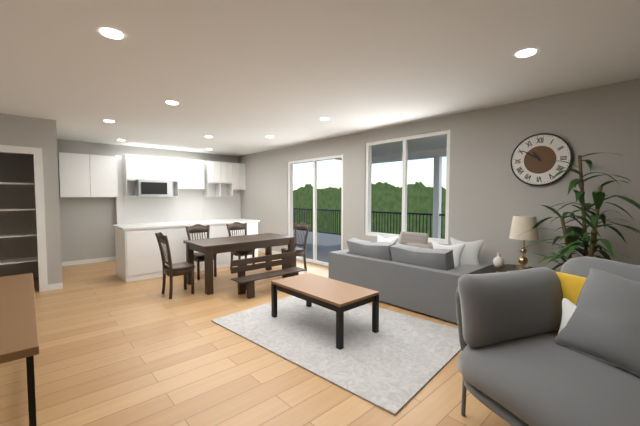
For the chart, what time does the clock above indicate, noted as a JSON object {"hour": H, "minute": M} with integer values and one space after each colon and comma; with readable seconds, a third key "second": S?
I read {"hour": 10, "minute": 51}
